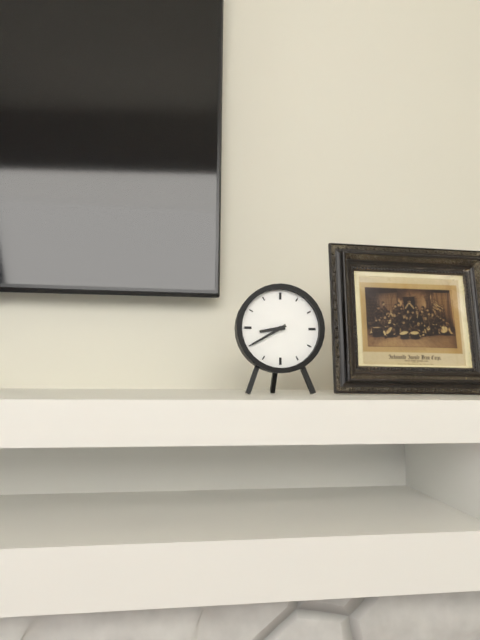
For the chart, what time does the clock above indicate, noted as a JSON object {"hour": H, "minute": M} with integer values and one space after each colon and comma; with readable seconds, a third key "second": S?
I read {"hour": 8, "minute": 40}
